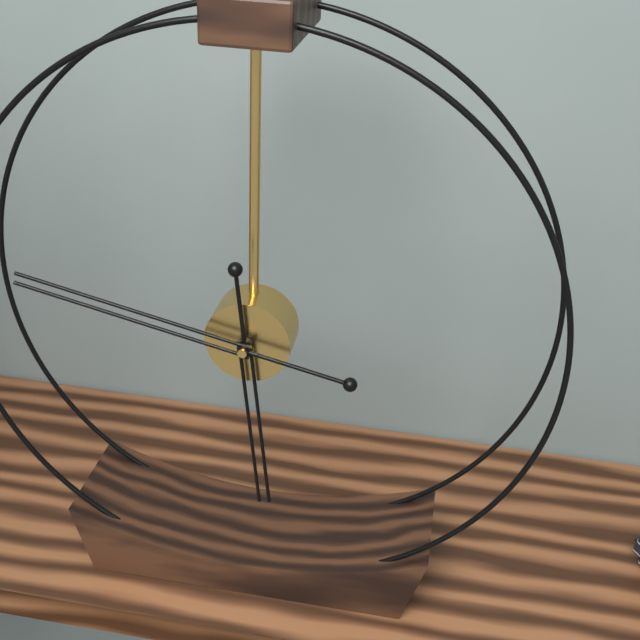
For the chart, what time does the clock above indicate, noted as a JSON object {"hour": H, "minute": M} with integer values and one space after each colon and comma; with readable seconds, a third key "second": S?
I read {"hour": 5, "minute": 47}
